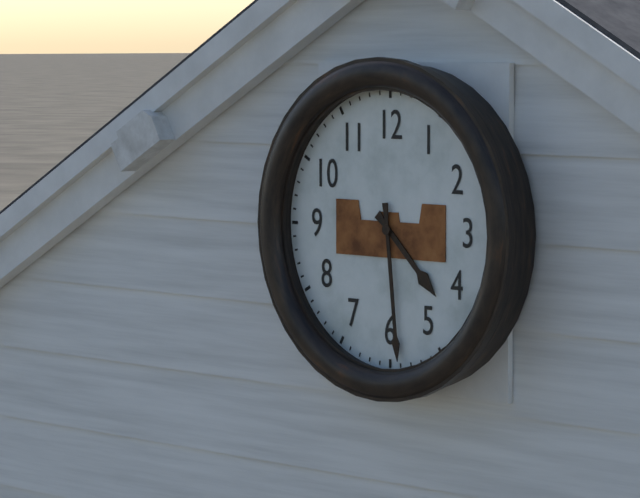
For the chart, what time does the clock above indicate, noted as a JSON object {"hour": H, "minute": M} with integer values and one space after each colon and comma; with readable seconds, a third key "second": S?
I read {"hour": 4, "minute": 29}
